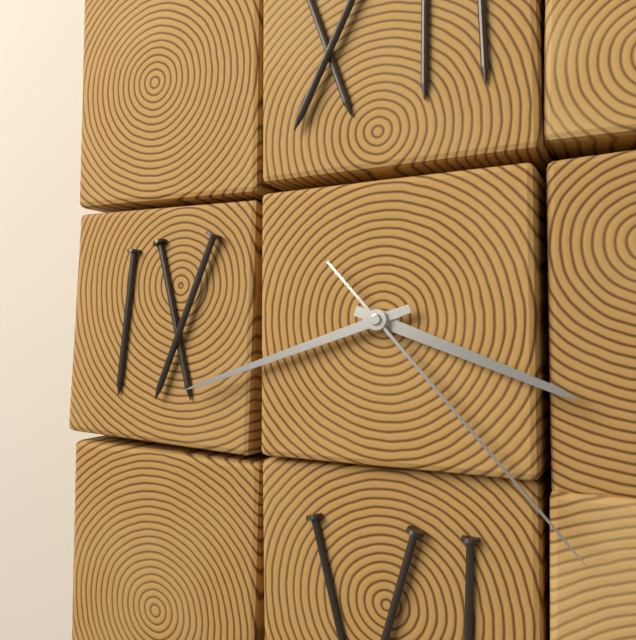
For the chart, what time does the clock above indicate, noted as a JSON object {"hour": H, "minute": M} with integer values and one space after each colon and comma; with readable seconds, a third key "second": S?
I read {"hour": 3, "minute": 42, "second": 23}
